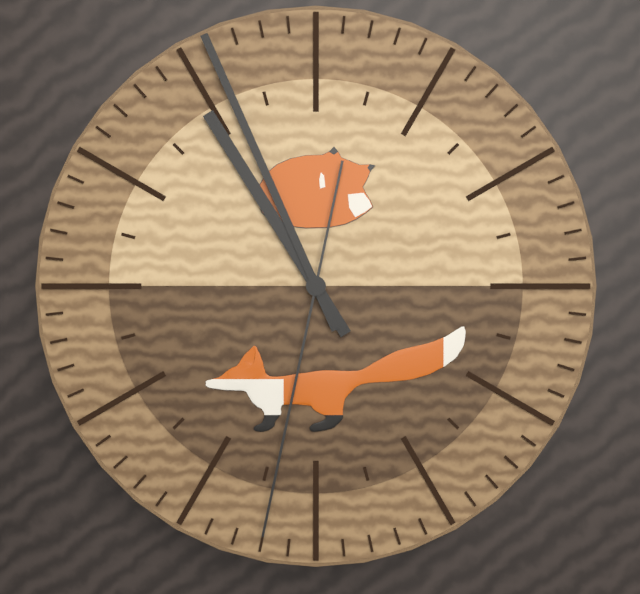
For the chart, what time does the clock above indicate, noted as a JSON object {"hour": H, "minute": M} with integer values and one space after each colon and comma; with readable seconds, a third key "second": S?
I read {"hour": 10, "minute": 56, "second": 32}
